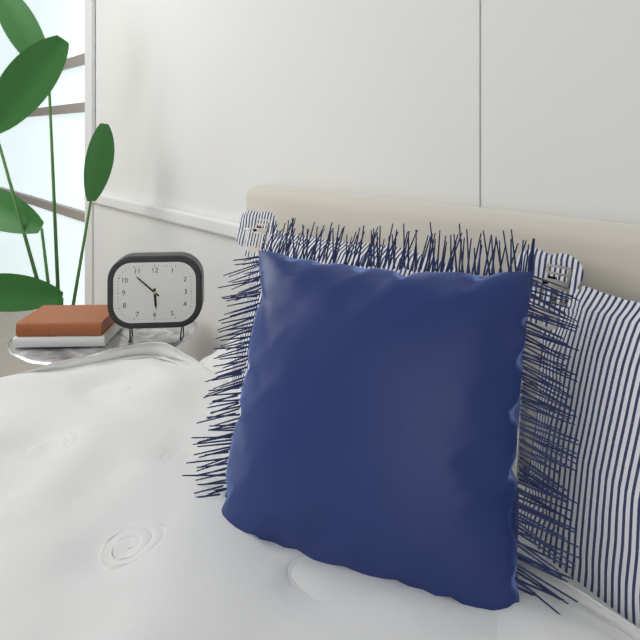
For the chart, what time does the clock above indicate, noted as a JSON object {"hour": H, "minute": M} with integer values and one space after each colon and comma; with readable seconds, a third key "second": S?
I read {"hour": 5, "minute": 52}
